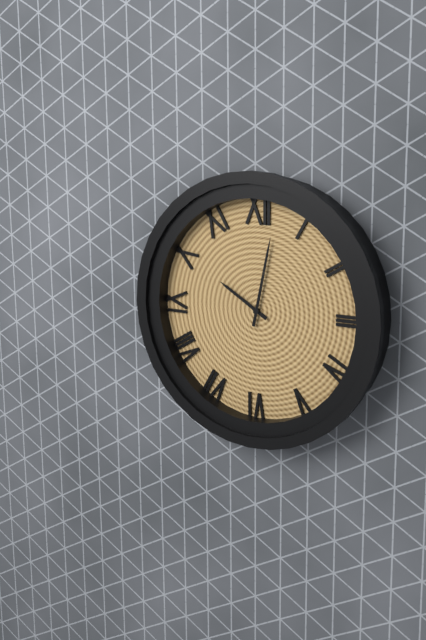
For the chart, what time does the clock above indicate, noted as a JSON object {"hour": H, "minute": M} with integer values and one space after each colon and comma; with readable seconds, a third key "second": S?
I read {"hour": 10, "minute": 2}
